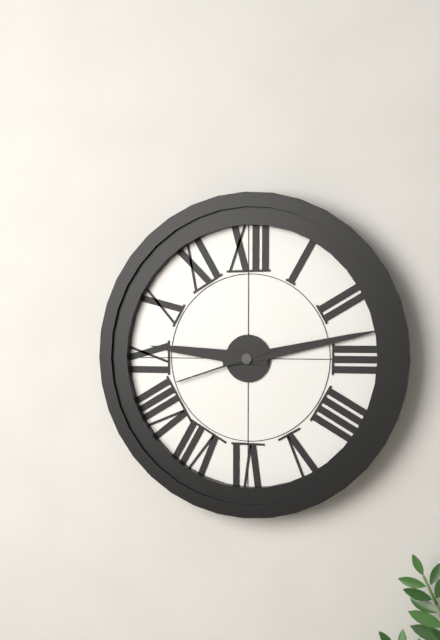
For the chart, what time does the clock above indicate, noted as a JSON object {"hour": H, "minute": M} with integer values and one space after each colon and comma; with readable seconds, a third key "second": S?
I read {"hour": 9, "minute": 13, "second": 42}
